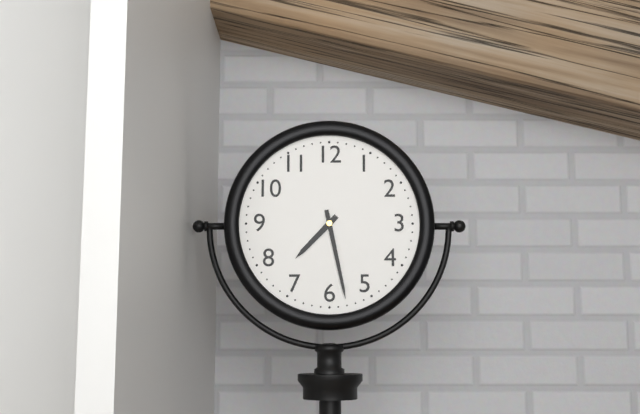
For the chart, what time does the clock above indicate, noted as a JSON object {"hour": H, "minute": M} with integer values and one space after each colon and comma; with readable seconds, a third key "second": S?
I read {"hour": 7, "minute": 28}
